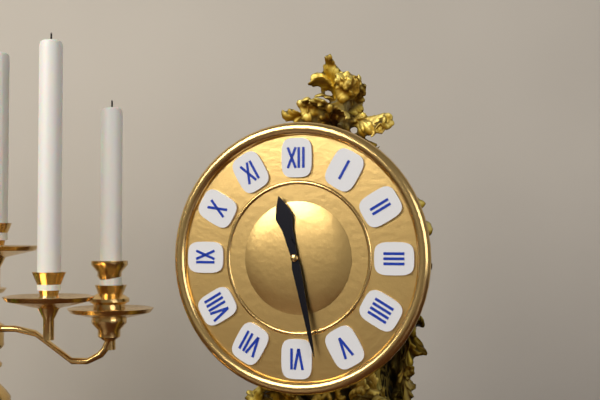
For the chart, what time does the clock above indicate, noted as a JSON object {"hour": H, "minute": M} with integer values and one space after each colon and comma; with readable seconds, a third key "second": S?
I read {"hour": 11, "minute": 28}
